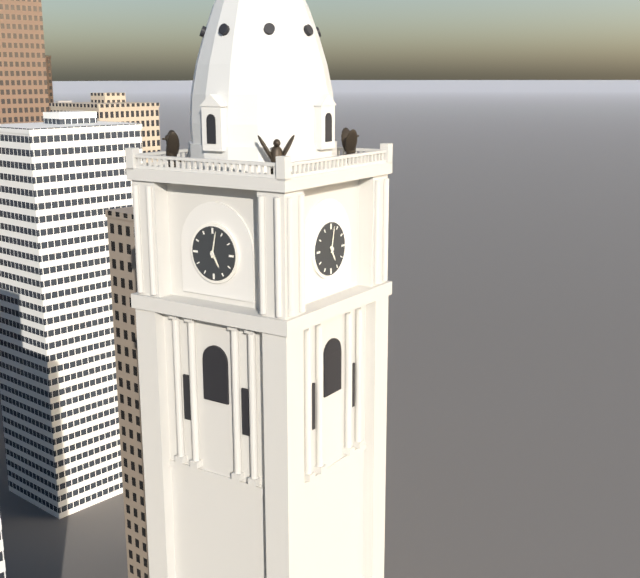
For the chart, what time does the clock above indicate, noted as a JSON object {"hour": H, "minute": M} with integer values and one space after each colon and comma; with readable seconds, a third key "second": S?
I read {"hour": 5, "minute": 2}
